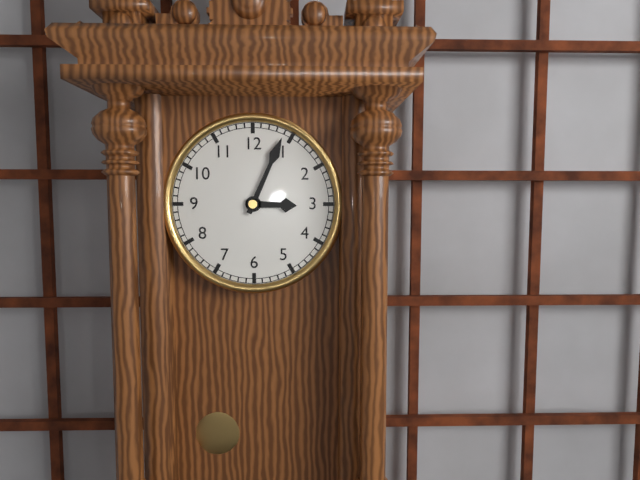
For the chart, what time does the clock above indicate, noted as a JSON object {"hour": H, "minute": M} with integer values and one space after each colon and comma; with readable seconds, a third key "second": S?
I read {"hour": 3, "minute": 4}
